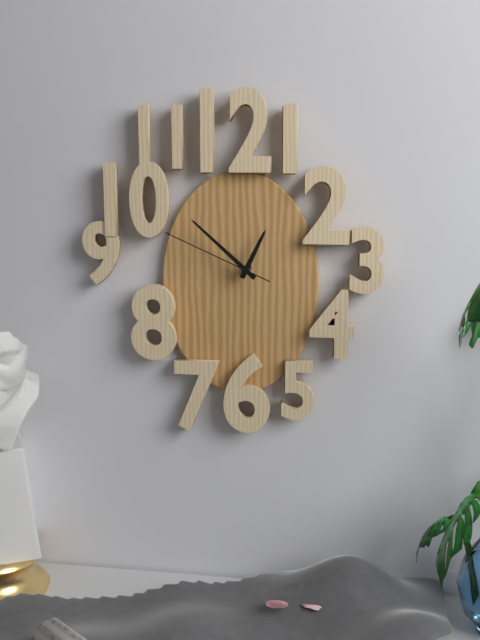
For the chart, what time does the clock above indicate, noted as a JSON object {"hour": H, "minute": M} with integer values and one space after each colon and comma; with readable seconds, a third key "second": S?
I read {"hour": 12, "minute": 52, "second": 49}
